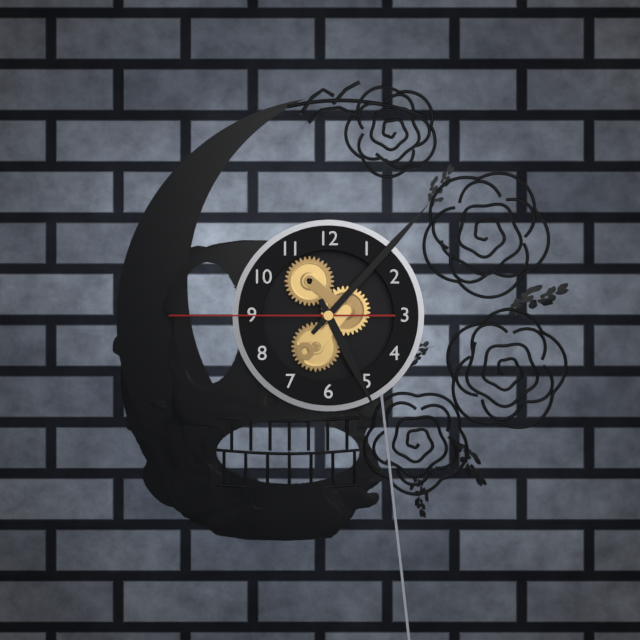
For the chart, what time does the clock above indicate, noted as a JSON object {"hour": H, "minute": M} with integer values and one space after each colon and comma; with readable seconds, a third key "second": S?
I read {"hour": 5, "minute": 7, "second": 45}
